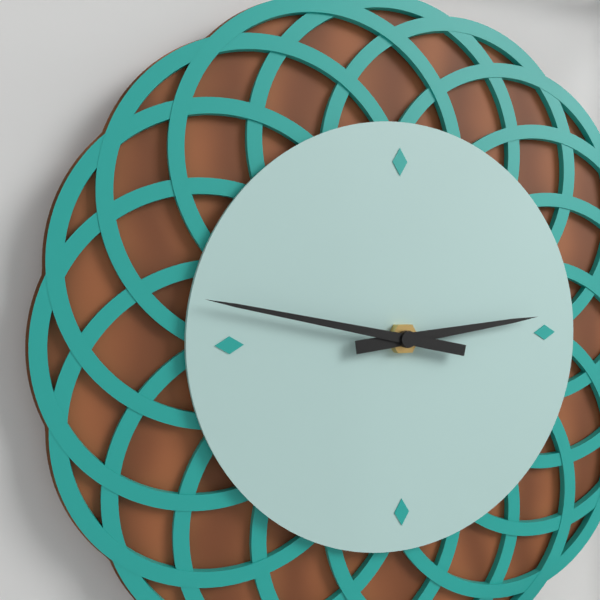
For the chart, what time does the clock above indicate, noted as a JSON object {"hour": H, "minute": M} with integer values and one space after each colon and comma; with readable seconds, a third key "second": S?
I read {"hour": 2, "minute": 47}
